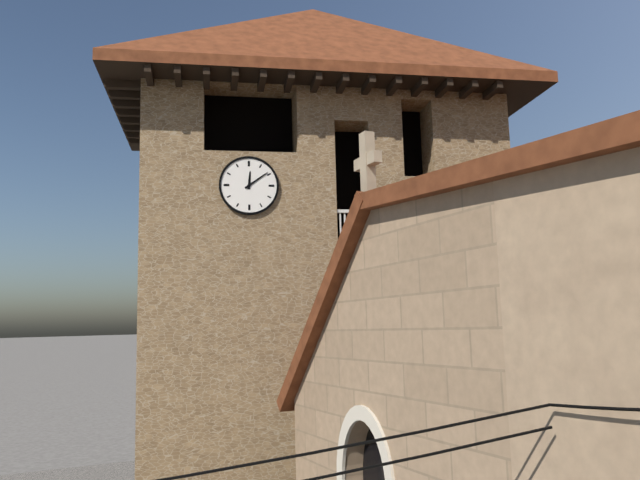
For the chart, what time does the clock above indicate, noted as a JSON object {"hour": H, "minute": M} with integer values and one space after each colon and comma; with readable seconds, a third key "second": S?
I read {"hour": 12, "minute": 9}
